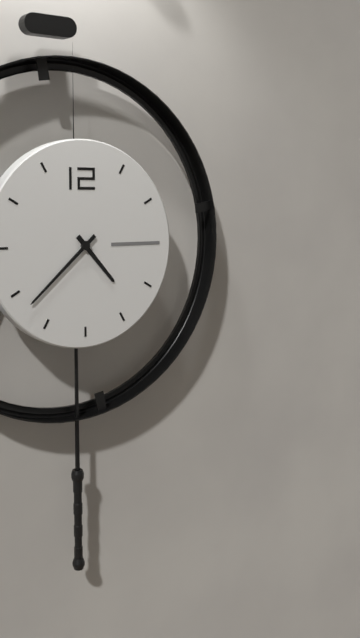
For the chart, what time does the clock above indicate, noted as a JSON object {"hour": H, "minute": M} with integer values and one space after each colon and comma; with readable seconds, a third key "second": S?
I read {"hour": 4, "minute": 38}
